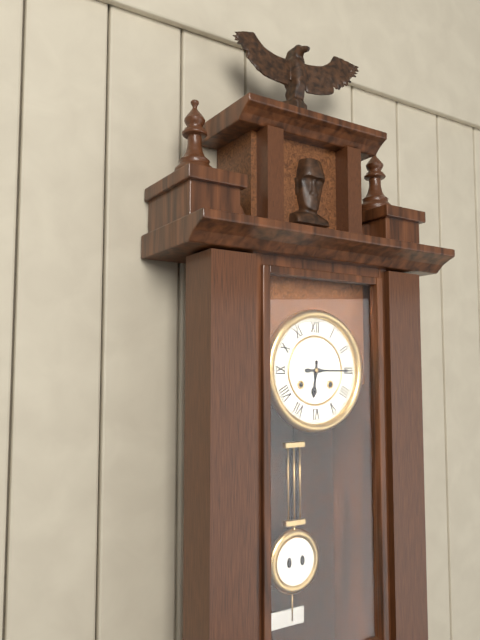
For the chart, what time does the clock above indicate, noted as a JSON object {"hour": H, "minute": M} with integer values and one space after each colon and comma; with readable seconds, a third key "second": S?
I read {"hour": 6, "minute": 15}
